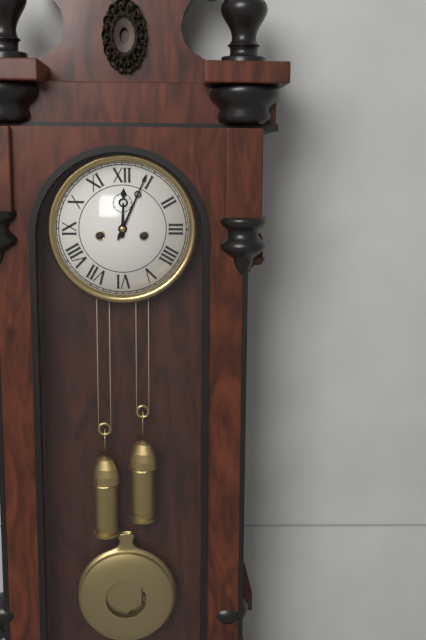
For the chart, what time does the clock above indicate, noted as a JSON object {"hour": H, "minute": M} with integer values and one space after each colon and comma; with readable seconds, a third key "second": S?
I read {"hour": 12, "minute": 4}
